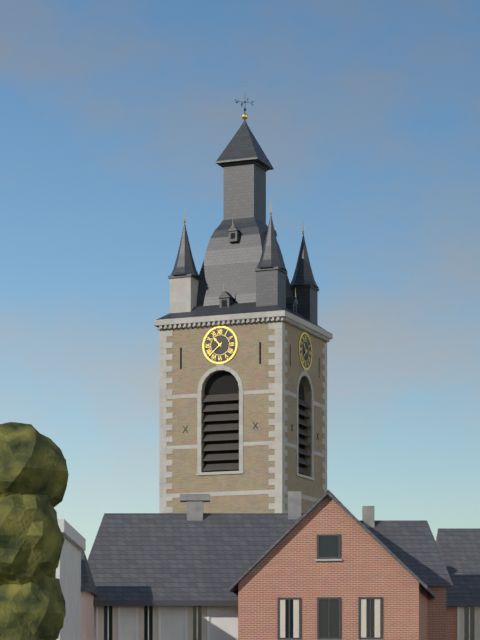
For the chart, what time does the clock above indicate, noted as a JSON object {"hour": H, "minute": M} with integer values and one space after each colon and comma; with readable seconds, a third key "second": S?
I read {"hour": 10, "minute": 38}
